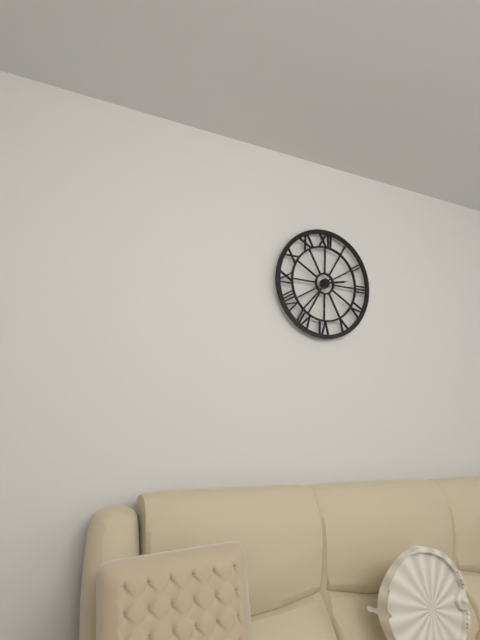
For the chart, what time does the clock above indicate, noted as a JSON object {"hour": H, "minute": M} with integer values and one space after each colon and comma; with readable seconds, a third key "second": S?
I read {"hour": 2, "minute": 37}
